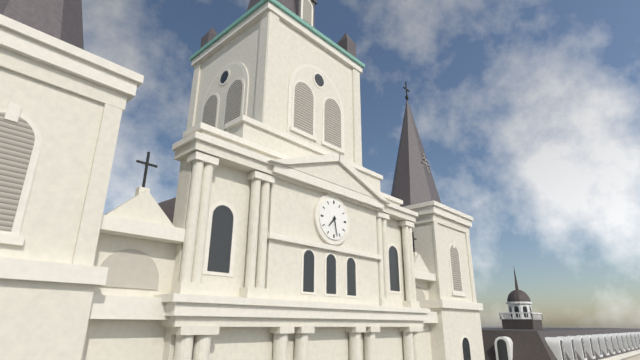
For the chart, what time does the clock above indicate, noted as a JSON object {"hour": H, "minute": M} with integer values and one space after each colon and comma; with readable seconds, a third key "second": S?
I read {"hour": 7, "minute": 28}
